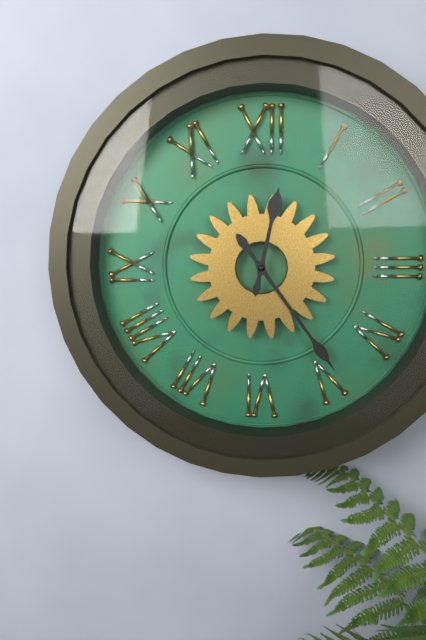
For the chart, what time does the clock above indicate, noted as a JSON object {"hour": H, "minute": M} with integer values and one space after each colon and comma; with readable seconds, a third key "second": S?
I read {"hour": 12, "minute": 24}
